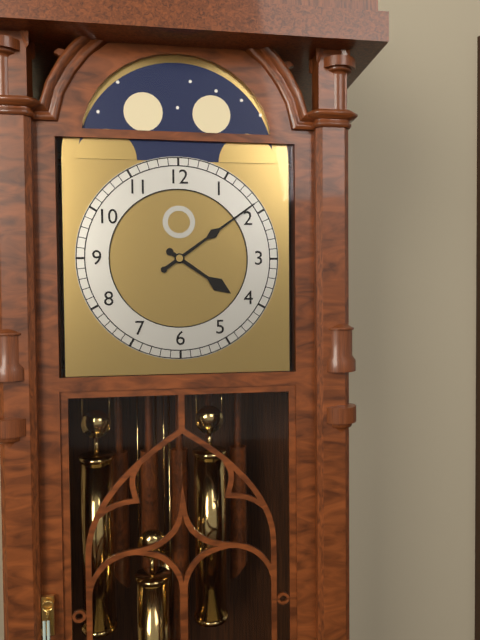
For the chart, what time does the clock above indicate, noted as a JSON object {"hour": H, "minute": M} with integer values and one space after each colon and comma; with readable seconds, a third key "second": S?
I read {"hour": 4, "minute": 9}
